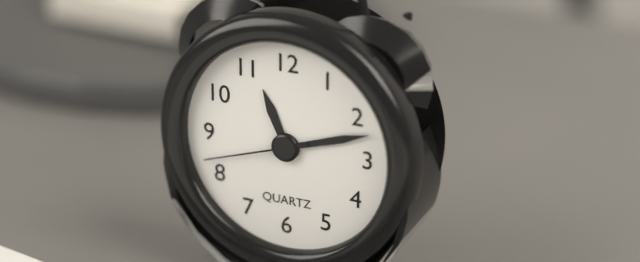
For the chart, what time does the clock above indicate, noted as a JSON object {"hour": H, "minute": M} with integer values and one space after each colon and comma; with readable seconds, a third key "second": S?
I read {"hour": 11, "minute": 12, "second": 42}
